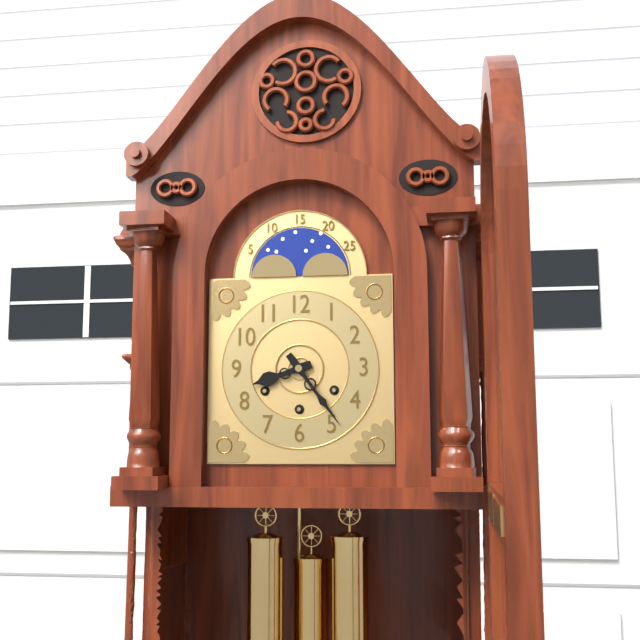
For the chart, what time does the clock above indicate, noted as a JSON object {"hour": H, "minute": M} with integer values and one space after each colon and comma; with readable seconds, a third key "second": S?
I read {"hour": 8, "minute": 24}
